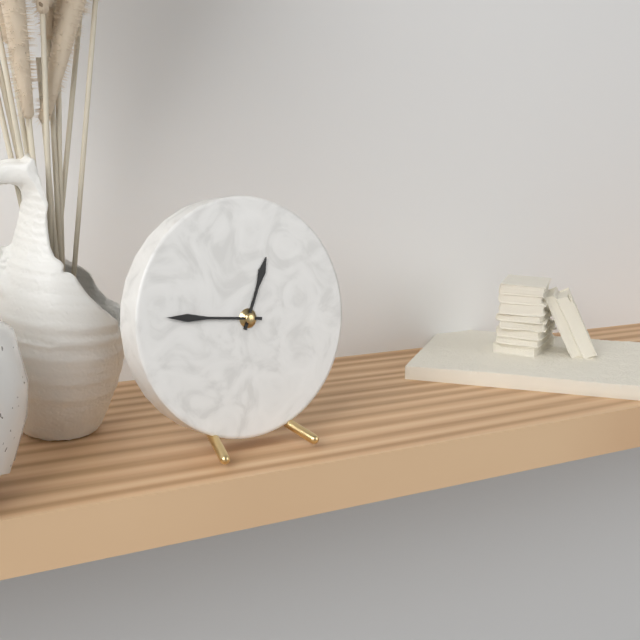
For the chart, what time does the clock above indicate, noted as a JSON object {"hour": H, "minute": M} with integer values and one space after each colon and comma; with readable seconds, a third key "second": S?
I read {"hour": 12, "minute": 46}
